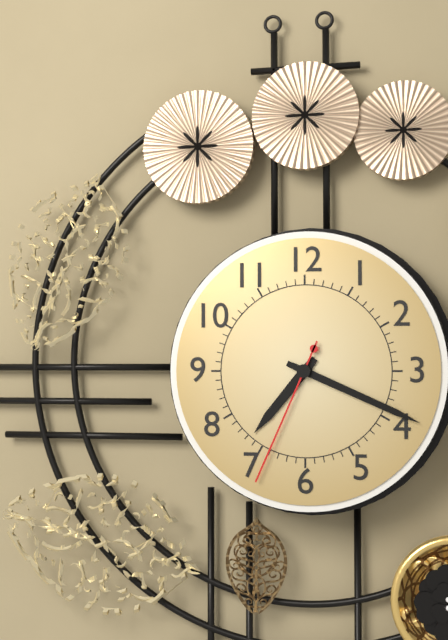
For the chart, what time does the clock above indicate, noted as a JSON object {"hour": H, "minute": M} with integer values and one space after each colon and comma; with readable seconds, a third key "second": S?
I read {"hour": 7, "minute": 19, "second": 34}
